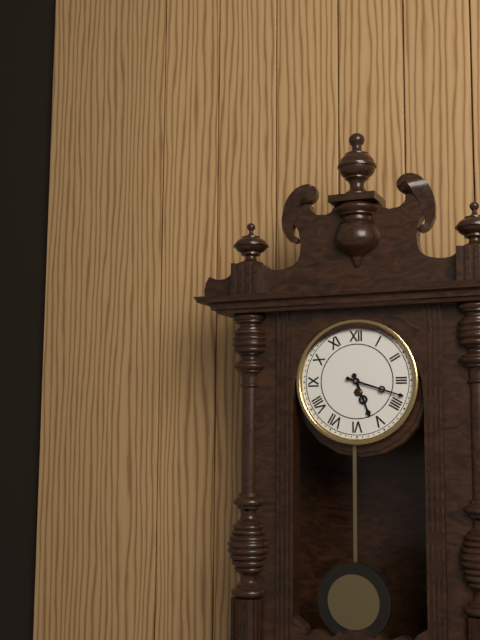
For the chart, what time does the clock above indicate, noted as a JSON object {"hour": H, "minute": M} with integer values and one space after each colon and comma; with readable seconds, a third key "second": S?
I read {"hour": 5, "minute": 18}
